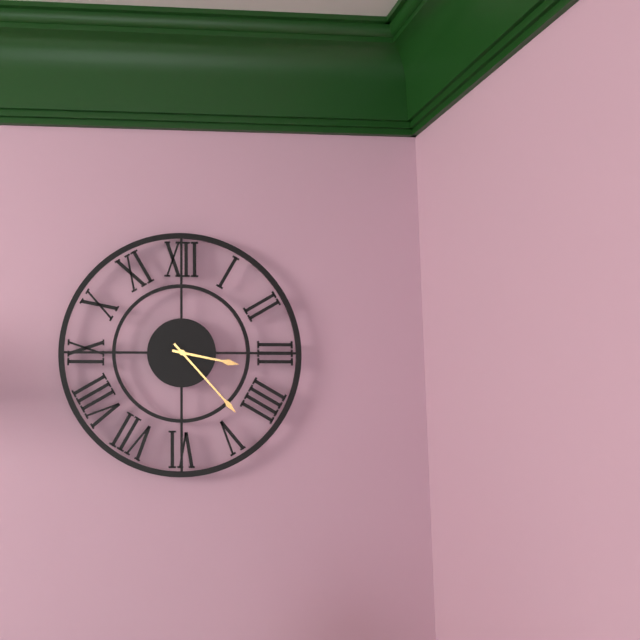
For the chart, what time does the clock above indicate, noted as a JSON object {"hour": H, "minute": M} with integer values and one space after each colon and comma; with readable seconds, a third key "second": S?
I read {"hour": 3, "minute": 23}
